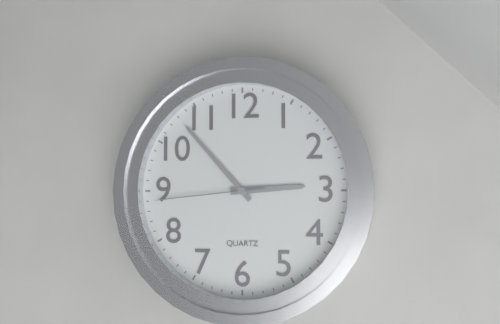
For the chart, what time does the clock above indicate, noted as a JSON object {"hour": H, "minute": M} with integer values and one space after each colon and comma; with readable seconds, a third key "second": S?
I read {"hour": 2, "minute": 53, "second": 44}
